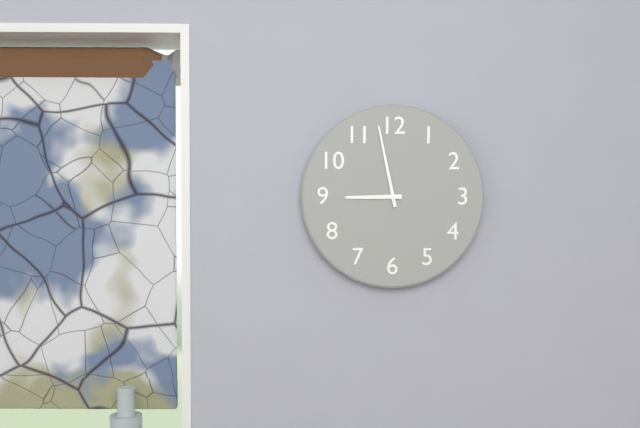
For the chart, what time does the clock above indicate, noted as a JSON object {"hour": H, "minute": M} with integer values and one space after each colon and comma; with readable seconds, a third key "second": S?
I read {"hour": 8, "minute": 58}
